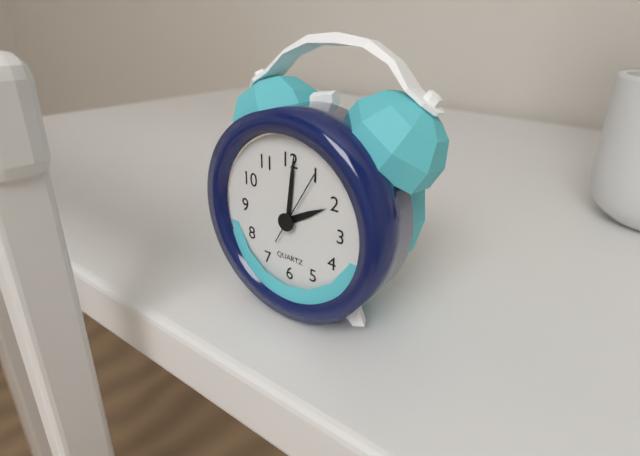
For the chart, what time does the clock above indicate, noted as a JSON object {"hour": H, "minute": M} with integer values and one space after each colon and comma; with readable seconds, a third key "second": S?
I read {"hour": 2, "minute": 1, "second": 5}
